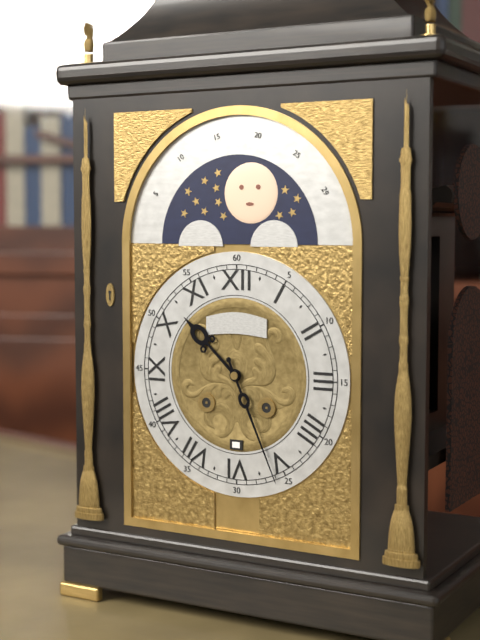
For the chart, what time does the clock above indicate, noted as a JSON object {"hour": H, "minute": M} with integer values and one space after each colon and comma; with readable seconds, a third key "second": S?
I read {"hour": 10, "minute": 26}
